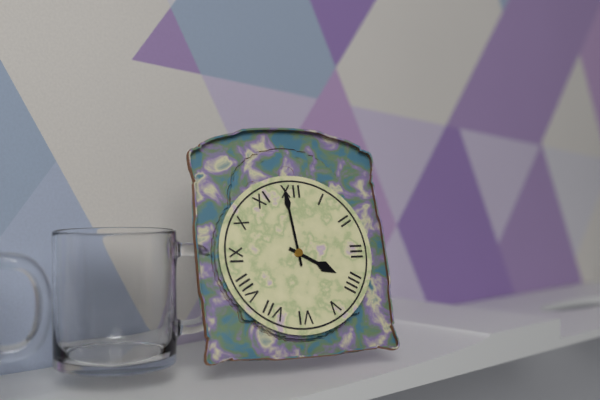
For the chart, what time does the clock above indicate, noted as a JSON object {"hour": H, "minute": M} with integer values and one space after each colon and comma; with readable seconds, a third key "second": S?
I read {"hour": 3, "minute": 59}
